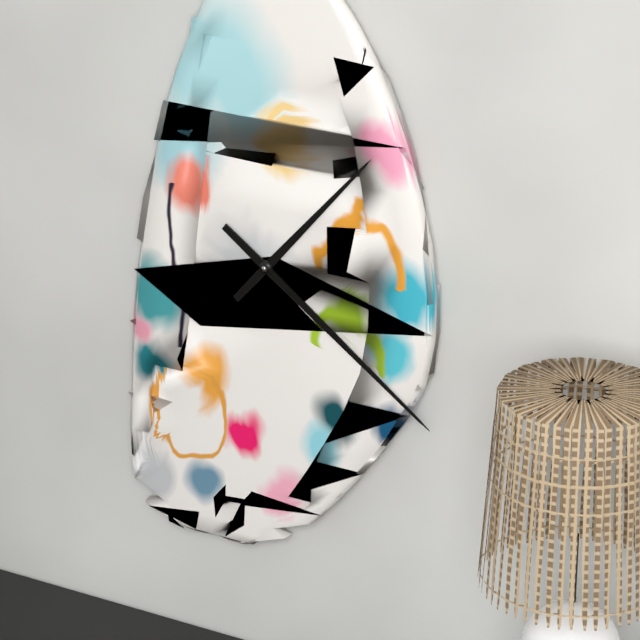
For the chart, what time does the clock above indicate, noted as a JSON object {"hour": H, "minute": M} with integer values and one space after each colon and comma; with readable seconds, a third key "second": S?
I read {"hour": 1, "minute": 21}
